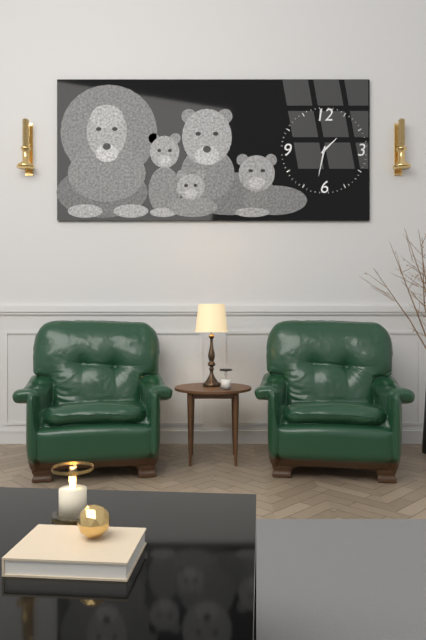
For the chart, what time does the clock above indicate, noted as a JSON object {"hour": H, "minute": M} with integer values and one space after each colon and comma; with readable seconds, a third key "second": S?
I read {"hour": 1, "minute": 32}
